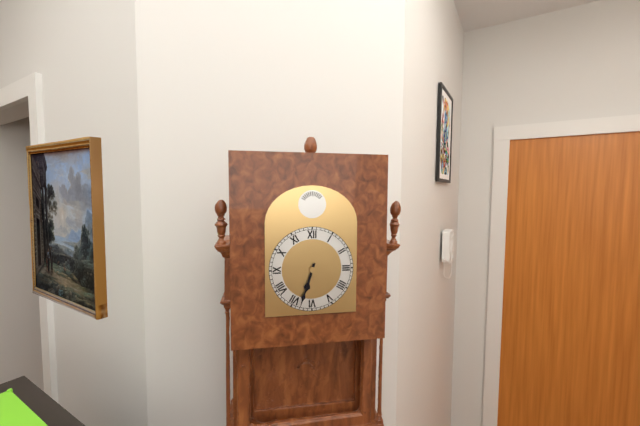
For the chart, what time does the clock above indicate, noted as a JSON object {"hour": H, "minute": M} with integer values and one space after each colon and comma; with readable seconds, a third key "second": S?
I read {"hour": 6, "minute": 33}
